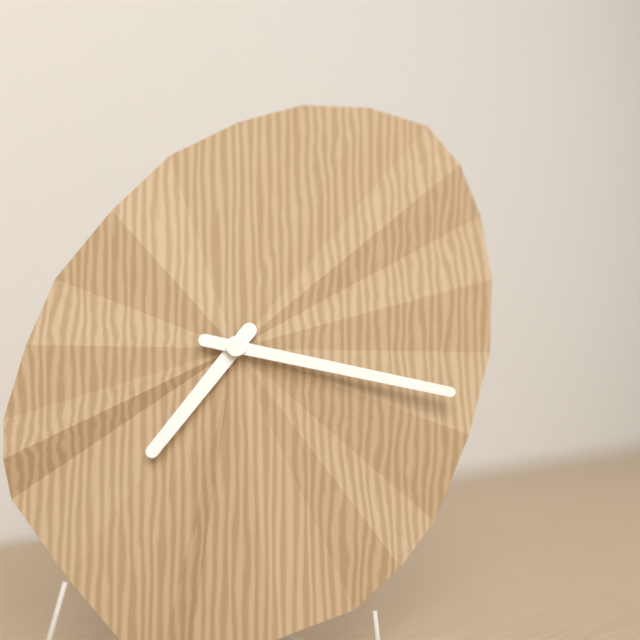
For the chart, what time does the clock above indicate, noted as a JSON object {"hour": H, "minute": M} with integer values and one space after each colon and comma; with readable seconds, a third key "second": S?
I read {"hour": 7, "minute": 17}
